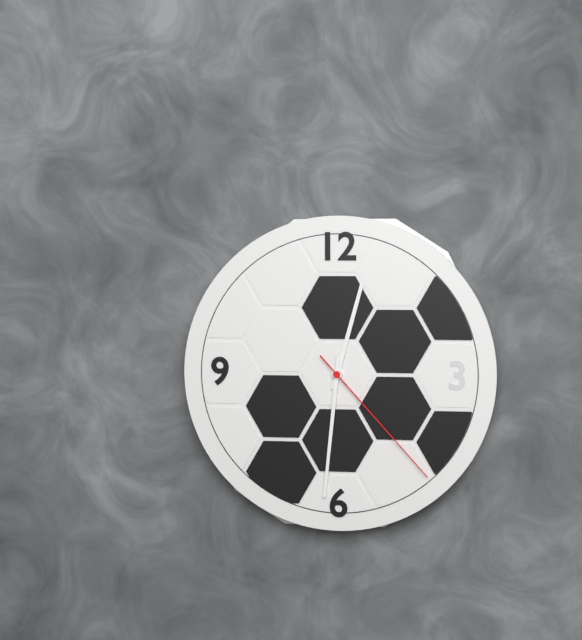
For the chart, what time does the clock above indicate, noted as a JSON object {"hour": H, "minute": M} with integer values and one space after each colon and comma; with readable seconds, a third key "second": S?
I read {"hour": 12, "minute": 31, "second": 23}
